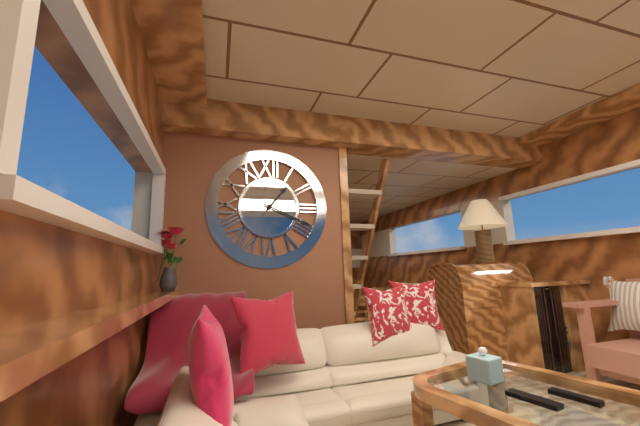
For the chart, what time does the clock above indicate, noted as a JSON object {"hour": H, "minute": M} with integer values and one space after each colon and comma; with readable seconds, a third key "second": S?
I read {"hour": 1, "minute": 19}
